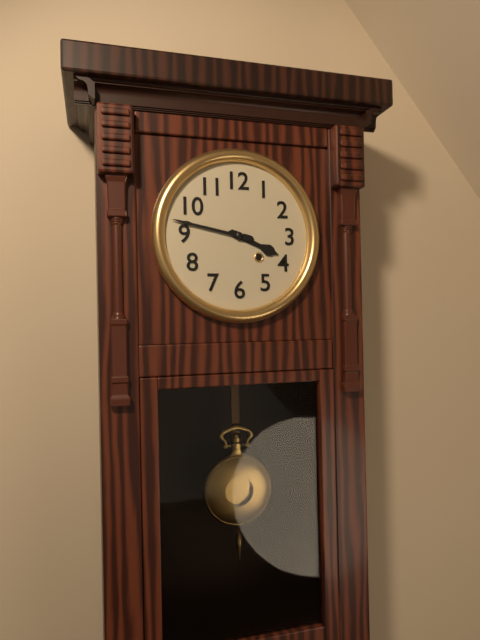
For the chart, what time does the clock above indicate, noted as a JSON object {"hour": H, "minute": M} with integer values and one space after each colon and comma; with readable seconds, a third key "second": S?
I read {"hour": 3, "minute": 47}
